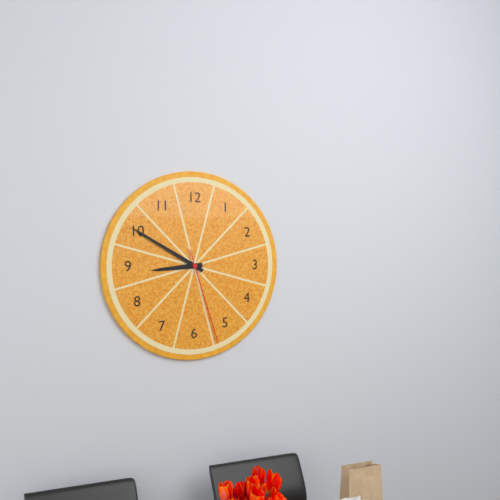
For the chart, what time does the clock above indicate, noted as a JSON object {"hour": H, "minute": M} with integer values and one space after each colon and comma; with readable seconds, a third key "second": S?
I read {"hour": 8, "minute": 50, "second": 27}
